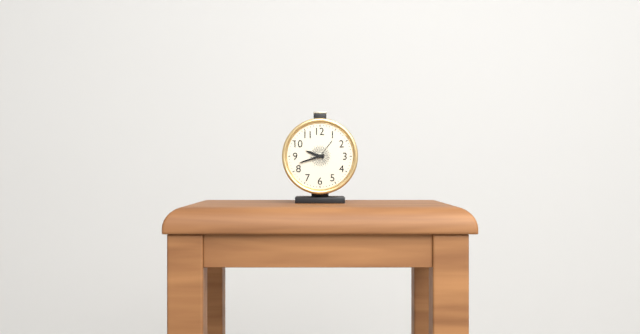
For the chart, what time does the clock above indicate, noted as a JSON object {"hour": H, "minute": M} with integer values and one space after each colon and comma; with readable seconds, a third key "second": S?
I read {"hour": 9, "minute": 42}
